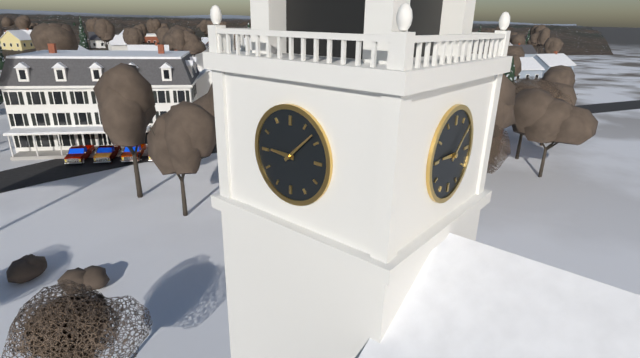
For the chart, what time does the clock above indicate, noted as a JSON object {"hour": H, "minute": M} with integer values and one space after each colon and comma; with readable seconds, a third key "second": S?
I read {"hour": 9, "minute": 8}
